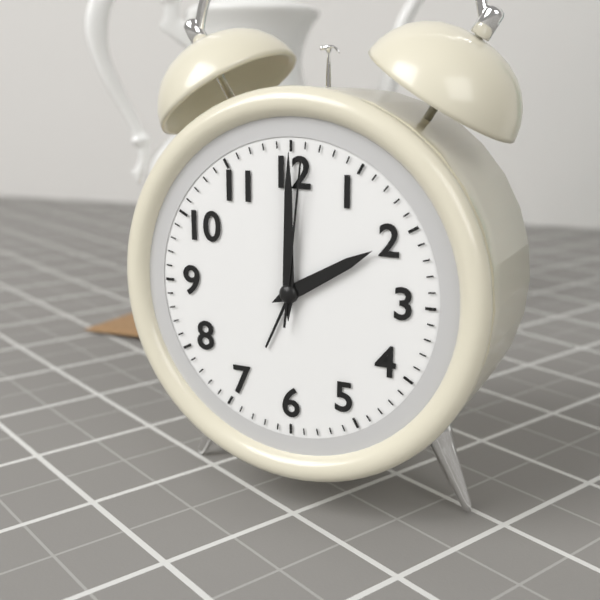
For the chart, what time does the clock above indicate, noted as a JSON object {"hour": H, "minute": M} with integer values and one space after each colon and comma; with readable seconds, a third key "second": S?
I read {"hour": 2, "minute": 0, "second": 1}
